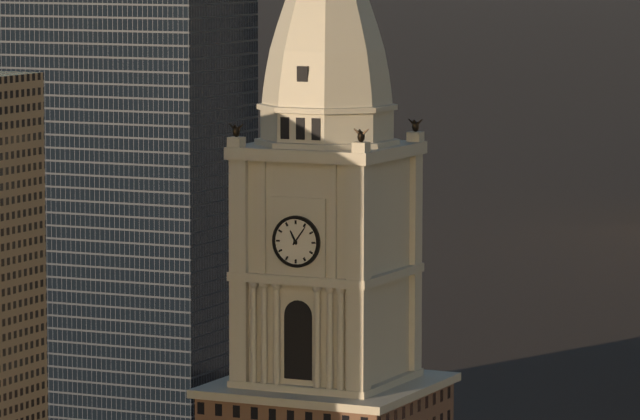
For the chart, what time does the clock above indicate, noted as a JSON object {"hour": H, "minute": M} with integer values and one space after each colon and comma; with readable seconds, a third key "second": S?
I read {"hour": 11, "minute": 6}
